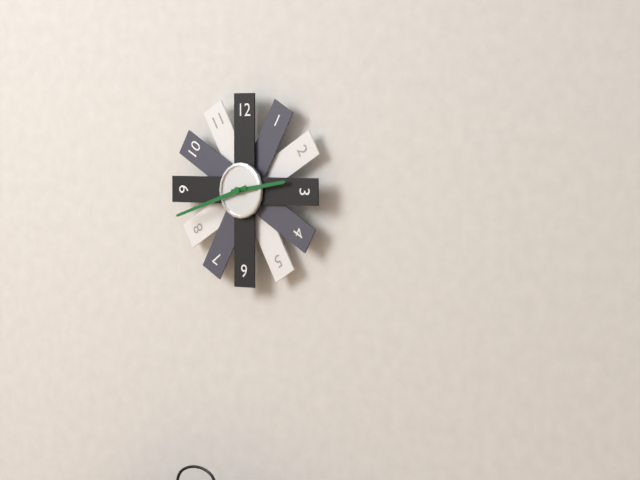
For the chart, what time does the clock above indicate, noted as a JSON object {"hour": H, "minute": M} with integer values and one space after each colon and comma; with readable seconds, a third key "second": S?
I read {"hour": 2, "minute": 42}
